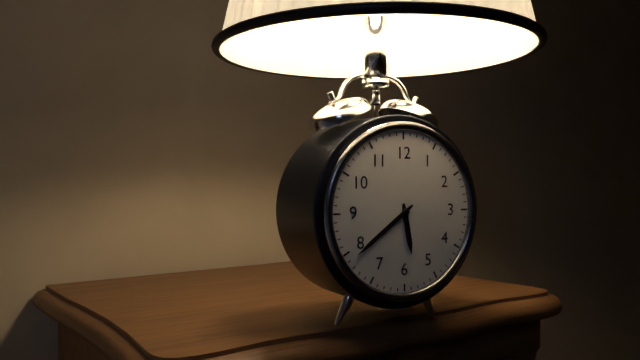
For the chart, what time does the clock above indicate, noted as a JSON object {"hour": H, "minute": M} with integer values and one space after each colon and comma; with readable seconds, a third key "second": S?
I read {"hour": 5, "minute": 39}
